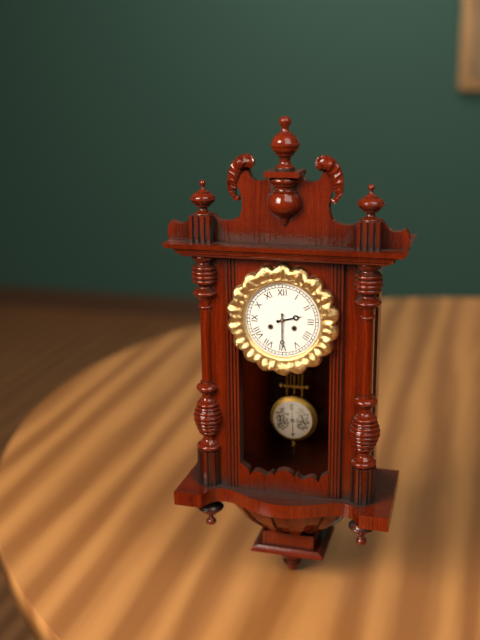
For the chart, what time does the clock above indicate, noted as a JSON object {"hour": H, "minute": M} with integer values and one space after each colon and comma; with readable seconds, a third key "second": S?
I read {"hour": 2, "minute": 30}
